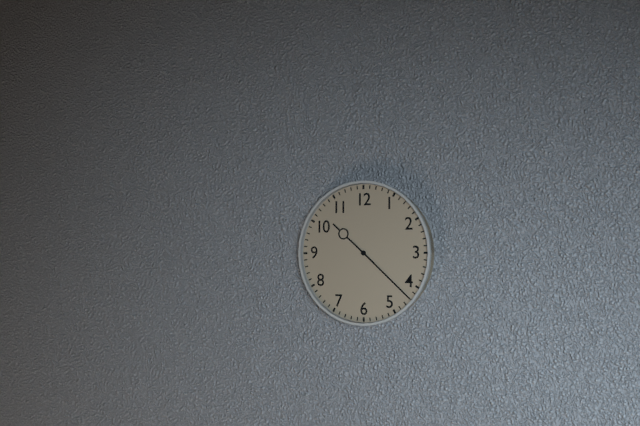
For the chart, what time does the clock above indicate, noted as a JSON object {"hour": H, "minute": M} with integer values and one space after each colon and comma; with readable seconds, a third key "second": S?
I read {"hour": 10, "minute": 22}
